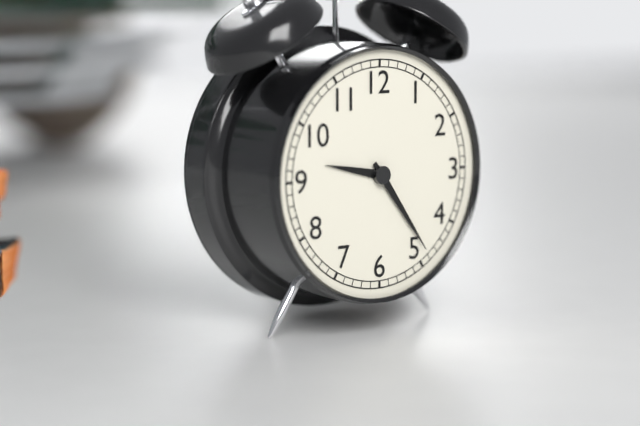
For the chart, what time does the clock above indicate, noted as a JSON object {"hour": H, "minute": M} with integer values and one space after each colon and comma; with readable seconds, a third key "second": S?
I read {"hour": 9, "minute": 24}
